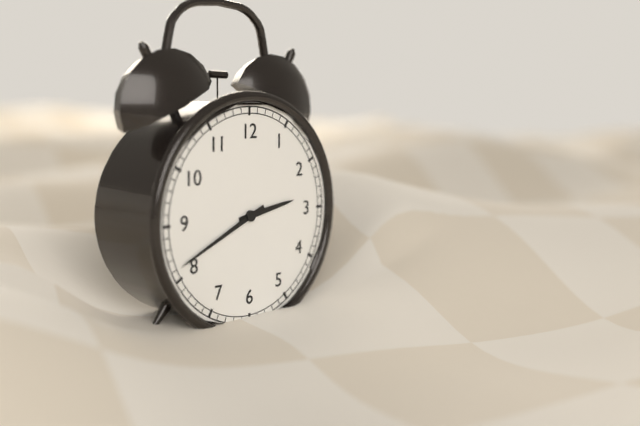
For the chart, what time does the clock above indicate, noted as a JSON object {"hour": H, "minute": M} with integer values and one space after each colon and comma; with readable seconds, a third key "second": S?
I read {"hour": 2, "minute": 41}
